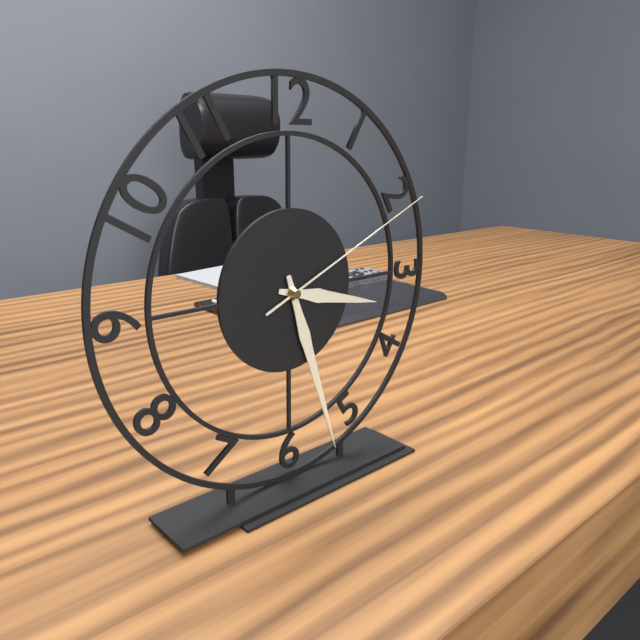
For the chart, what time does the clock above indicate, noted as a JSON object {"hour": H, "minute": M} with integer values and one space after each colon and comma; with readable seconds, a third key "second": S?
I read {"hour": 3, "minute": 27, "second": 11}
